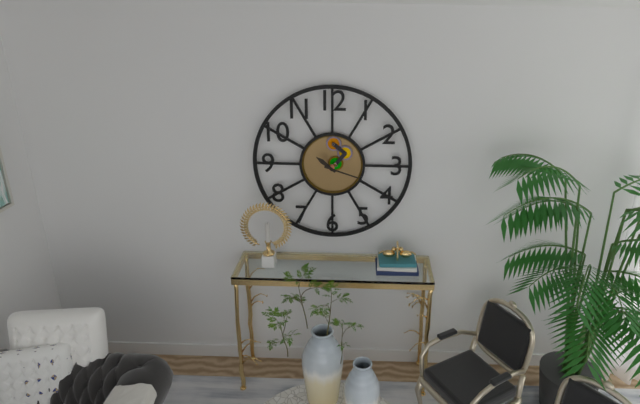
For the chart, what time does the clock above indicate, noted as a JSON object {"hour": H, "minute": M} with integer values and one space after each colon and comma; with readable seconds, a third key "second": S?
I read {"hour": 10, "minute": 18}
